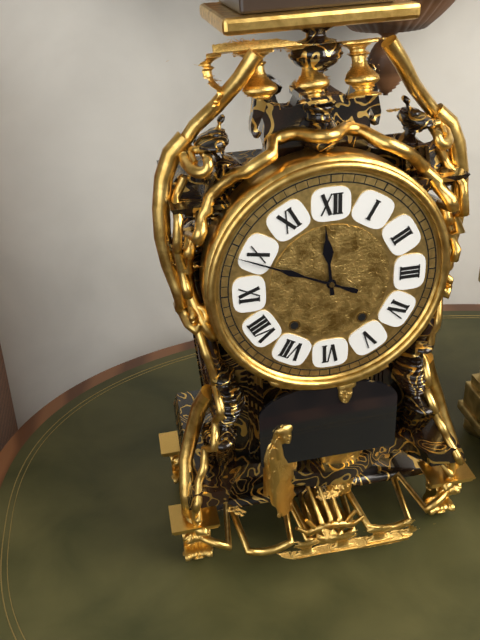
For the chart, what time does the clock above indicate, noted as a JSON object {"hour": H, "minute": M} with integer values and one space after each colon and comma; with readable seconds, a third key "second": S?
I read {"hour": 11, "minute": 49}
